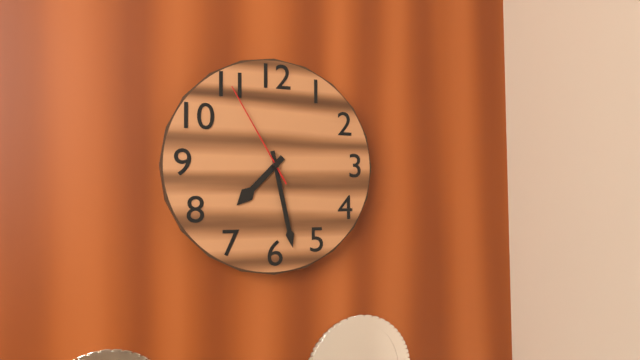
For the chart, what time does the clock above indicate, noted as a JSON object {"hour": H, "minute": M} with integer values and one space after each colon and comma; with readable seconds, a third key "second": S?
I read {"hour": 7, "minute": 28, "second": 55}
